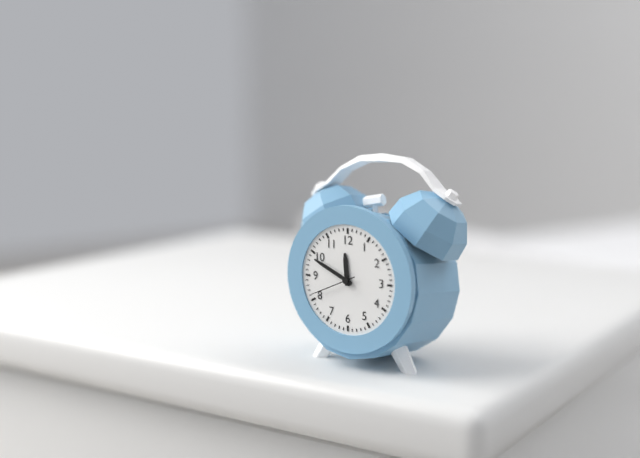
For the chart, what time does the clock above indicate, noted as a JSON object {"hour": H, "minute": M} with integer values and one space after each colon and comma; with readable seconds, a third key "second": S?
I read {"hour": 11, "minute": 49, "second": 41}
